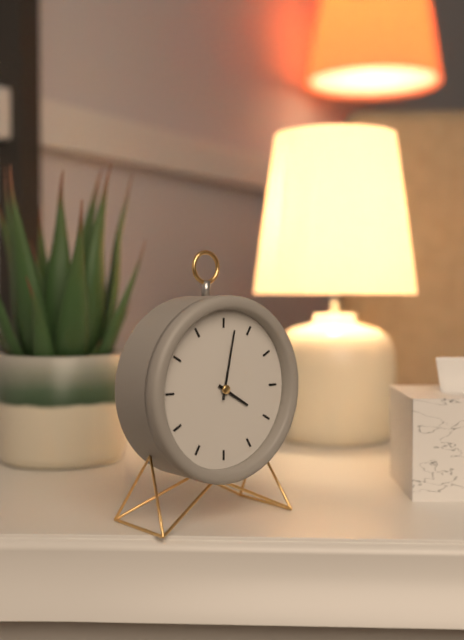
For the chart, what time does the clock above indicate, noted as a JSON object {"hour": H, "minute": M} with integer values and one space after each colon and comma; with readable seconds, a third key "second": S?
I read {"hour": 4, "minute": 2}
